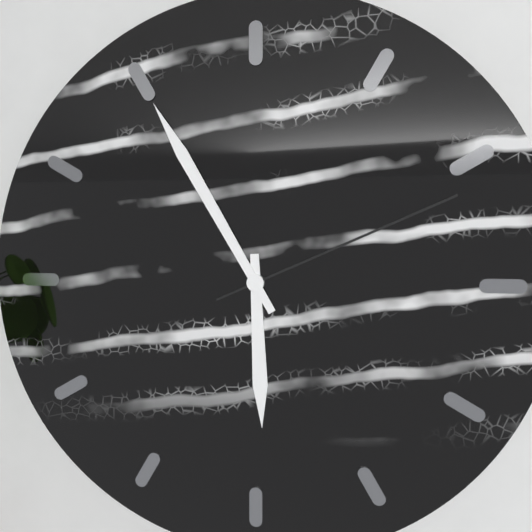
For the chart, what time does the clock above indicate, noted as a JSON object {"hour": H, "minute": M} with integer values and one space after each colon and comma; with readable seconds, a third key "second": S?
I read {"hour": 5, "minute": 55, "second": 11}
